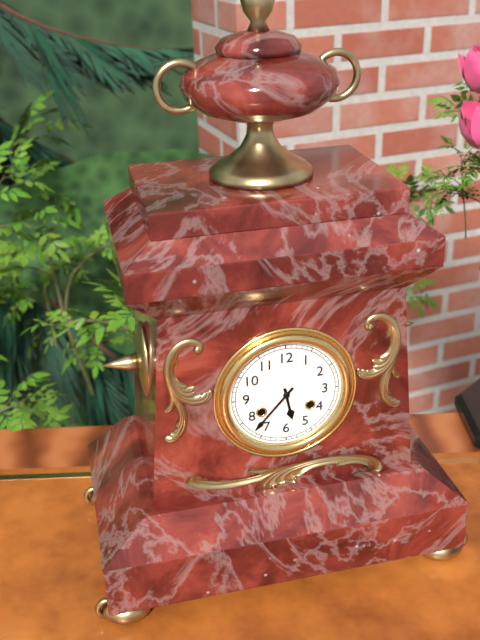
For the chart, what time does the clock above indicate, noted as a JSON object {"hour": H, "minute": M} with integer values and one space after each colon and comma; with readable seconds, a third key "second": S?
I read {"hour": 5, "minute": 37}
